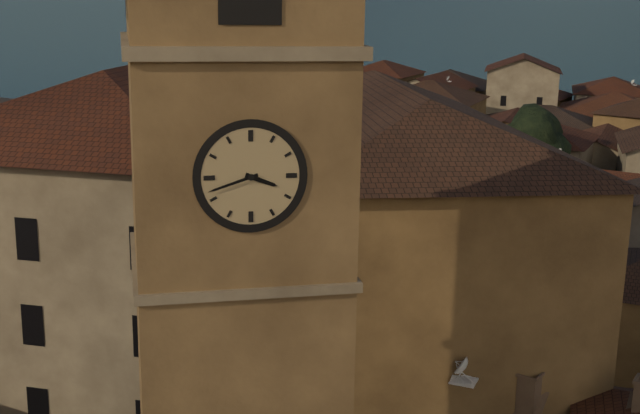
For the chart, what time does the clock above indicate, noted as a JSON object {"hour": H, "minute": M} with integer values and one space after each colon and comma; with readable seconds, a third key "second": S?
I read {"hour": 3, "minute": 42}
